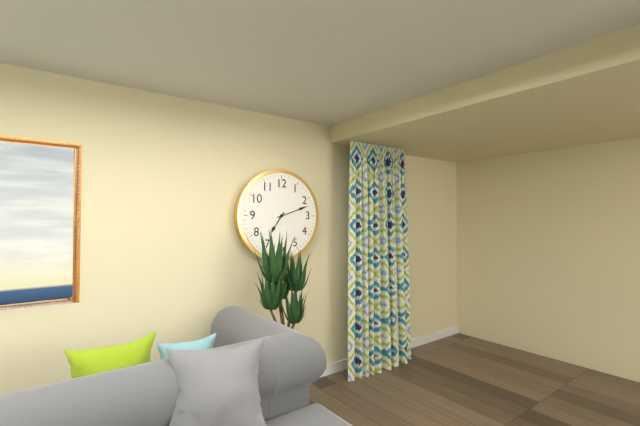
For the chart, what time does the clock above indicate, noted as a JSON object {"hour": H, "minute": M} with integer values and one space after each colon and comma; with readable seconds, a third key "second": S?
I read {"hour": 7, "minute": 12}
